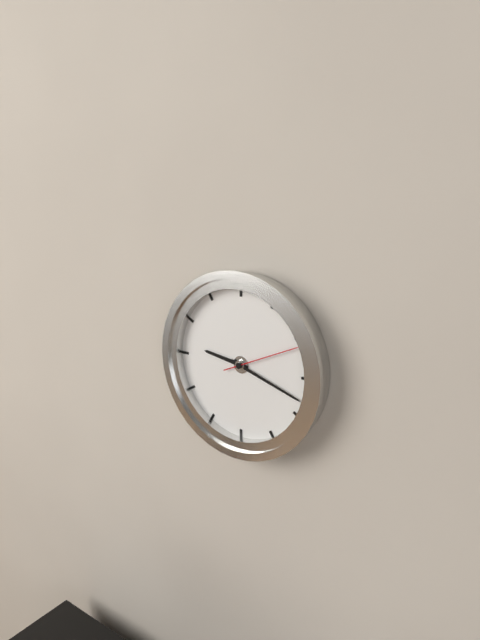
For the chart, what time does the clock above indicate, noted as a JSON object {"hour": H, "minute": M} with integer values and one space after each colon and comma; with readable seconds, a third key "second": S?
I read {"hour": 9, "minute": 18, "second": 11}
